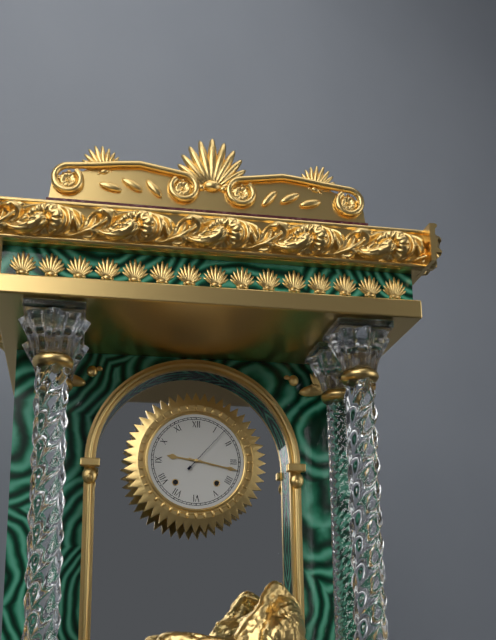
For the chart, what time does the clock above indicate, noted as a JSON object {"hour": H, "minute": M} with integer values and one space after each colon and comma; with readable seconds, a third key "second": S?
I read {"hour": 9, "minute": 17, "second": 7}
